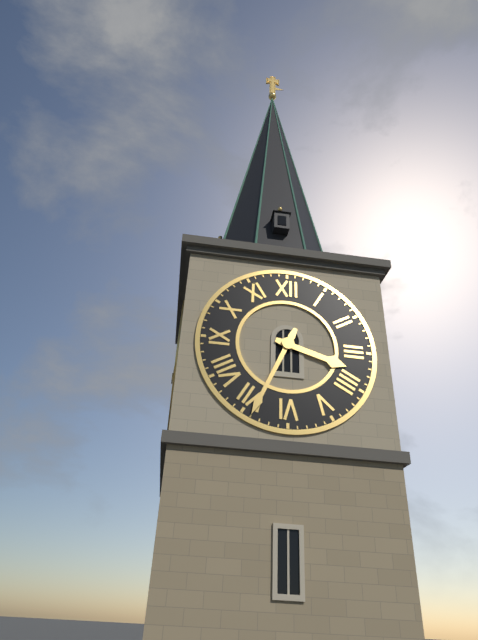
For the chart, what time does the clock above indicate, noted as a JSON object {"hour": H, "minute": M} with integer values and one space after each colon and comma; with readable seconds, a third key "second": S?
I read {"hour": 3, "minute": 34}
